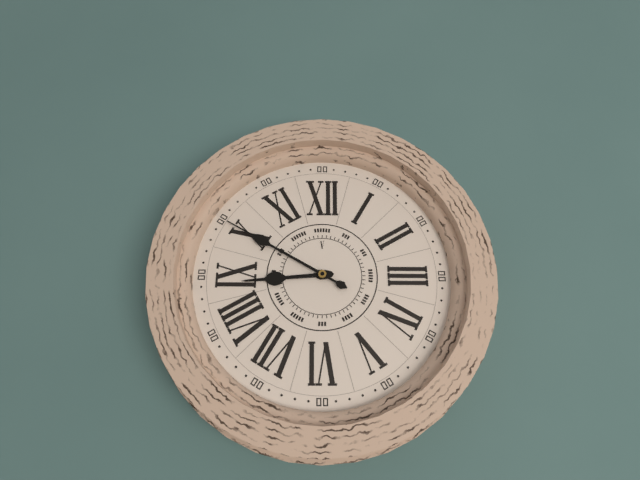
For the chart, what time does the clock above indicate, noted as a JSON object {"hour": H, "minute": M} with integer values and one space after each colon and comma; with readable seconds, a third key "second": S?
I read {"hour": 8, "minute": 50}
